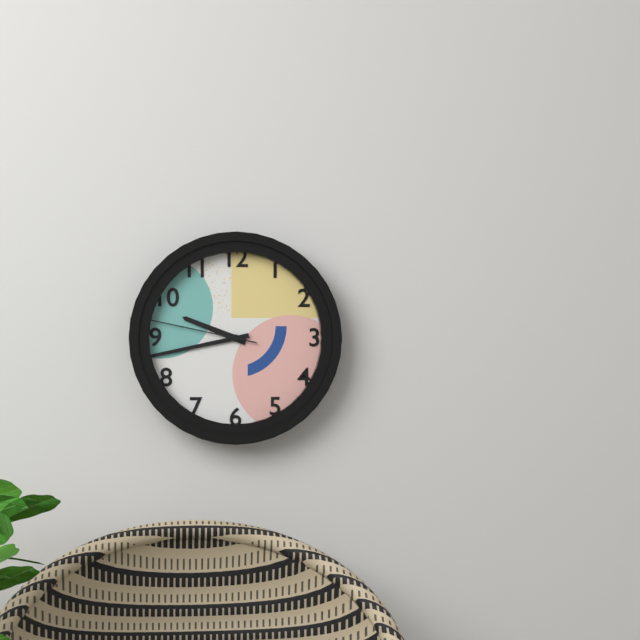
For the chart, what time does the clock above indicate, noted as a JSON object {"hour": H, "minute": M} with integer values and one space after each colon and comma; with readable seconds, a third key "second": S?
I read {"hour": 9, "minute": 43, "second": 47}
